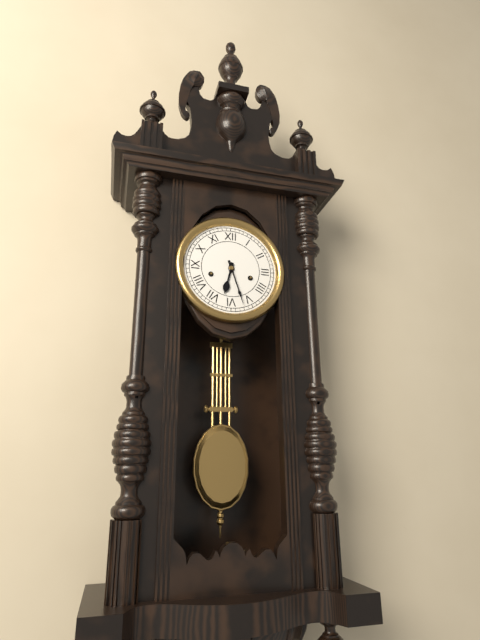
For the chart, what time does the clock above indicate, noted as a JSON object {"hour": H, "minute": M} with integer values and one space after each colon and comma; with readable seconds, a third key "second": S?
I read {"hour": 6, "minute": 27}
